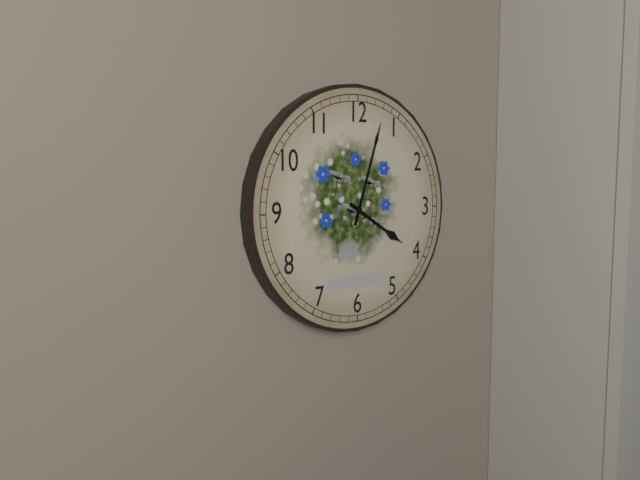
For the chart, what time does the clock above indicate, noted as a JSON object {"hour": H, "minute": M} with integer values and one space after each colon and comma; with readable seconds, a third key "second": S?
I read {"hour": 4, "minute": 3}
